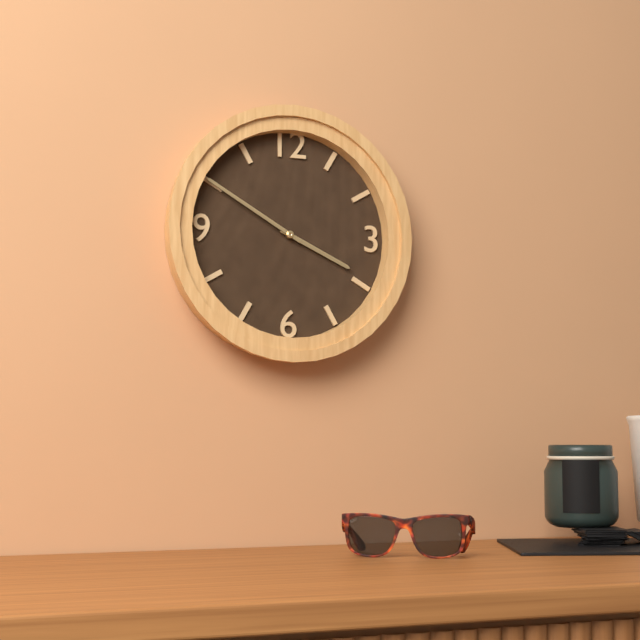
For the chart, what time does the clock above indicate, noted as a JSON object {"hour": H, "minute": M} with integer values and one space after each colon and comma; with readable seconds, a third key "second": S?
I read {"hour": 3, "minute": 50}
